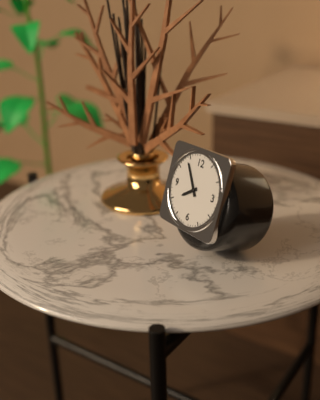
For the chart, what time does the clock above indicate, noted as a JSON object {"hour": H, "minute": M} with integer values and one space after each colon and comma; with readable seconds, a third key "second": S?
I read {"hour": 7, "minute": 54}
